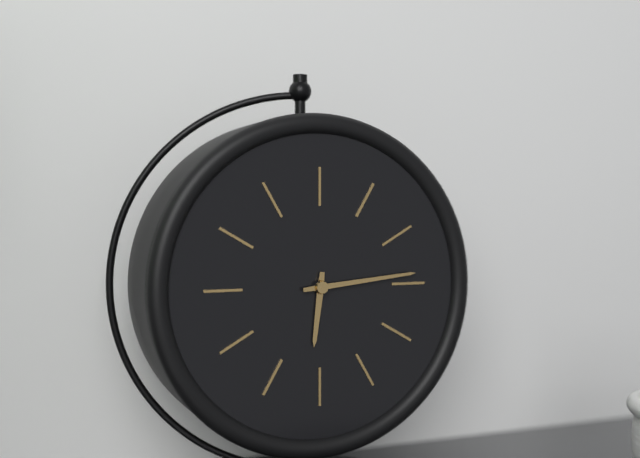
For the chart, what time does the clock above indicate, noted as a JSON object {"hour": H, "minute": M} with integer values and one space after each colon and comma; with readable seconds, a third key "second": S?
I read {"hour": 6, "minute": 14}
